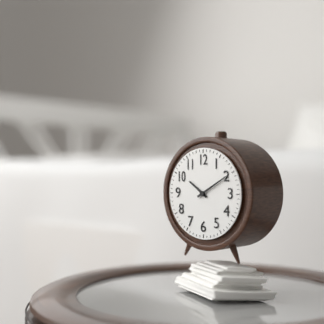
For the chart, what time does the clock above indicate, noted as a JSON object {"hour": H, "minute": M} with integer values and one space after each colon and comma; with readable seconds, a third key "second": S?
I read {"hour": 10, "minute": 10}
